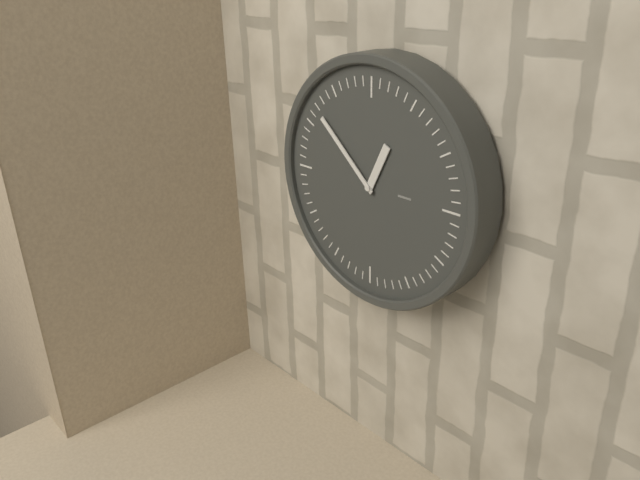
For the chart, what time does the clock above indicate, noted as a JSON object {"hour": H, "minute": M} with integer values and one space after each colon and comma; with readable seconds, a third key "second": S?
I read {"hour": 12, "minute": 52}
